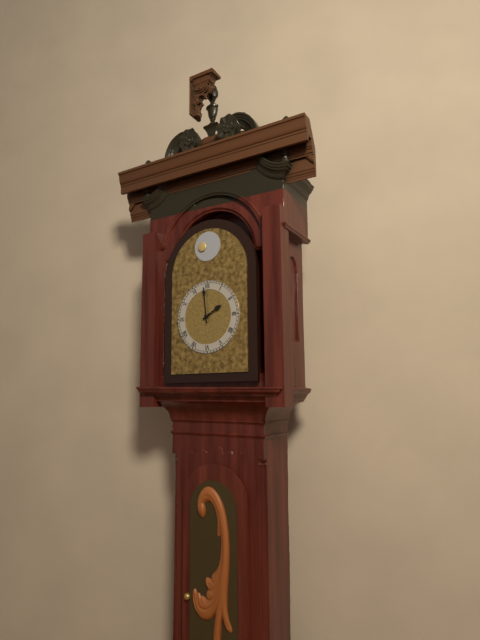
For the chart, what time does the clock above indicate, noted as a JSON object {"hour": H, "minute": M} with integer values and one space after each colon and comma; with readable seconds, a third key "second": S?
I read {"hour": 1, "minute": 59}
